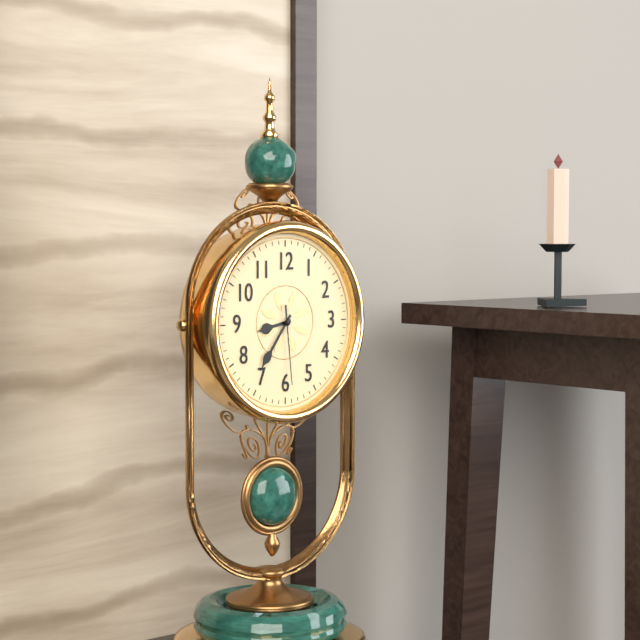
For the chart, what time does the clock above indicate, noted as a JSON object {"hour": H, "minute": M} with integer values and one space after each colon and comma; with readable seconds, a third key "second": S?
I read {"hour": 8, "minute": 36, "second": 29}
